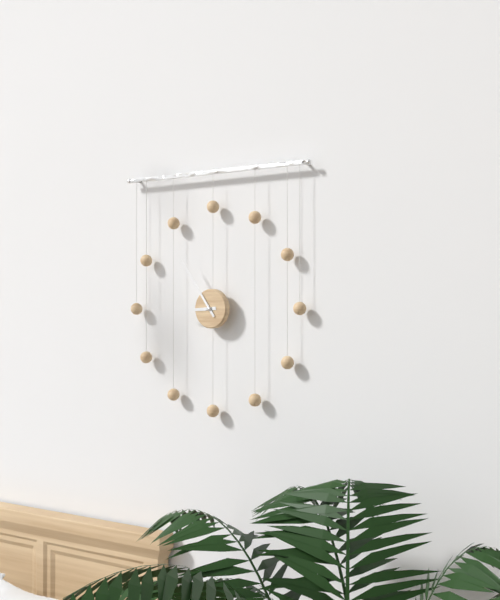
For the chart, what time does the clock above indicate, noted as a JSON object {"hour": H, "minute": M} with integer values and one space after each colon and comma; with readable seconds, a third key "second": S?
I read {"hour": 8, "minute": 54}
